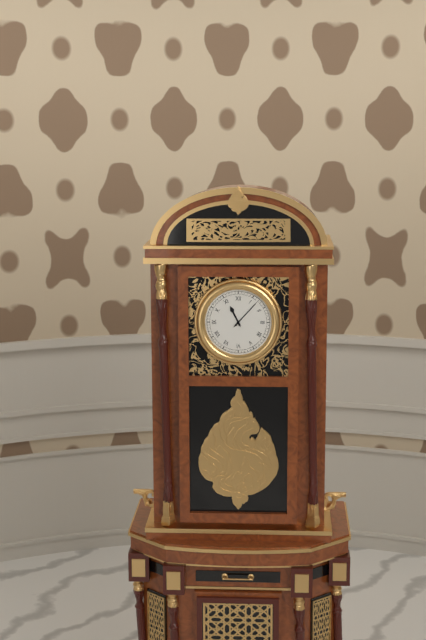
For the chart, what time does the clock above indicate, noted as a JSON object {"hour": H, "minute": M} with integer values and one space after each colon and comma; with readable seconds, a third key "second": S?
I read {"hour": 11, "minute": 7}
